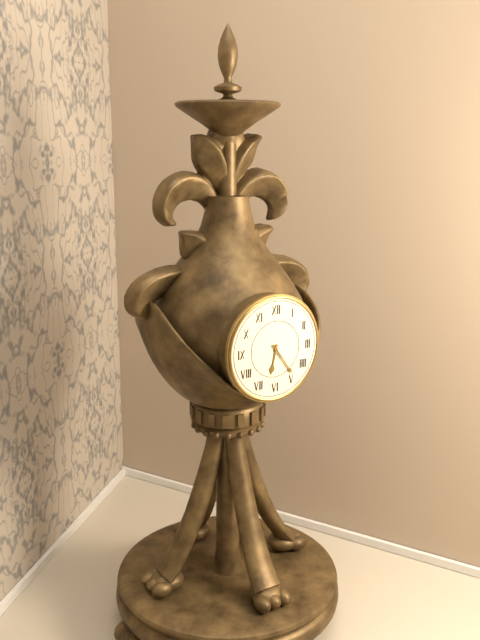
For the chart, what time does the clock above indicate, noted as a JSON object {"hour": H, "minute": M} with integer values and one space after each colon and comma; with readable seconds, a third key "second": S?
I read {"hour": 6, "minute": 24}
